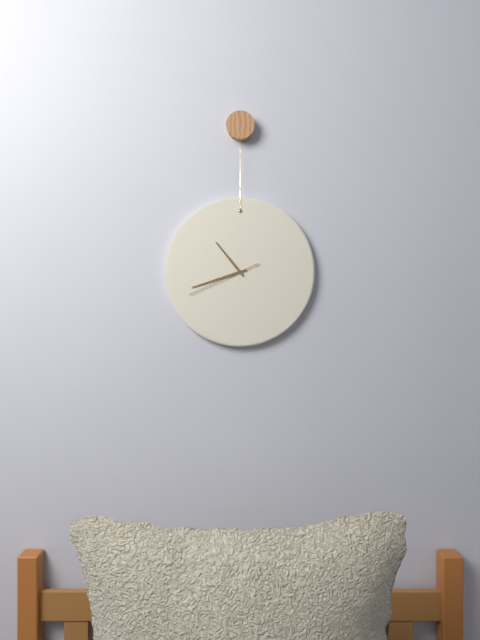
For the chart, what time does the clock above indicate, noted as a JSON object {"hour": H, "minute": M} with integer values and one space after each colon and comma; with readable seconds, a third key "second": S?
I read {"hour": 10, "minute": 42, "second": 41}
